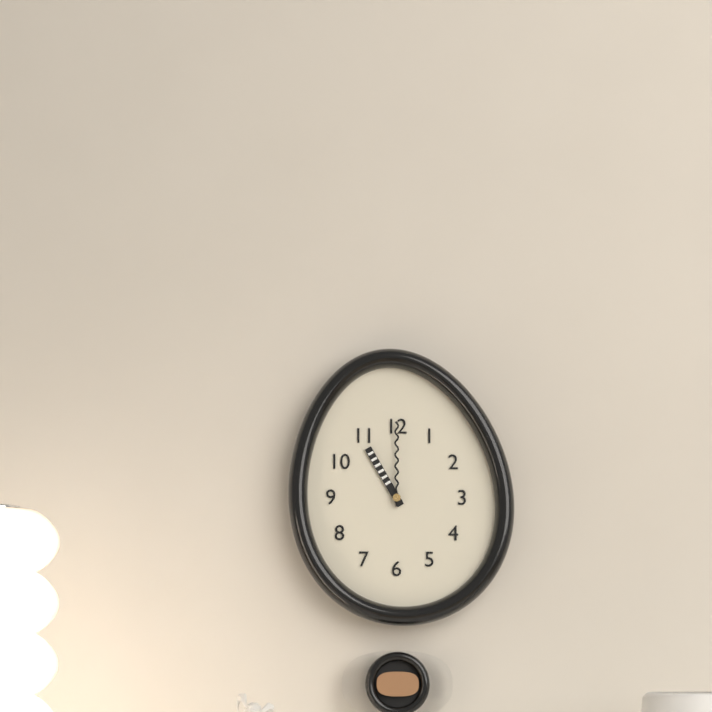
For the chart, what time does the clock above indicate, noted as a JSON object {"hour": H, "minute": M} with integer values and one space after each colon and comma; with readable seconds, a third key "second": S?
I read {"hour": 11, "minute": 0}
